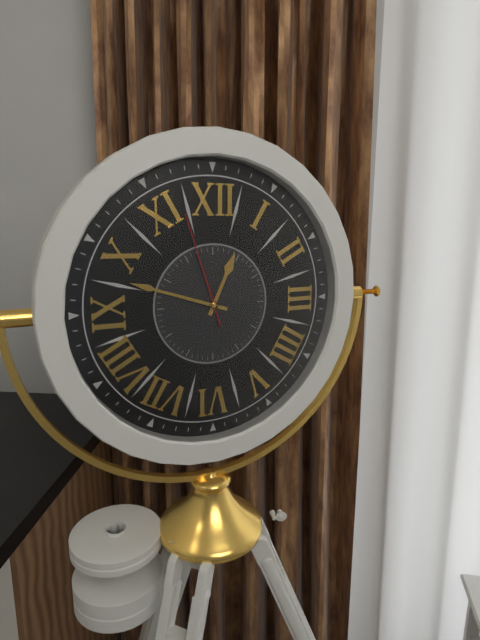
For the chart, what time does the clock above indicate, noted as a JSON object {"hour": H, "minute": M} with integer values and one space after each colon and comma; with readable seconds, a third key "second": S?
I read {"hour": 12, "minute": 48, "second": 57}
